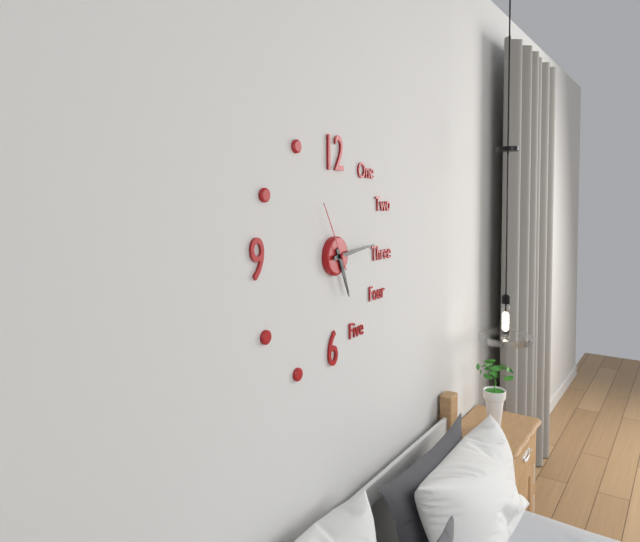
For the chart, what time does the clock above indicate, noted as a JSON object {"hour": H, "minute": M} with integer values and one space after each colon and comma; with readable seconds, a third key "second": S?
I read {"hour": 5, "minute": 14, "second": 55}
